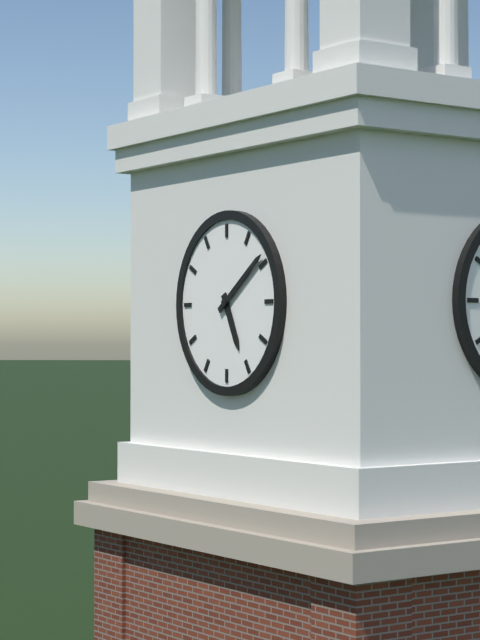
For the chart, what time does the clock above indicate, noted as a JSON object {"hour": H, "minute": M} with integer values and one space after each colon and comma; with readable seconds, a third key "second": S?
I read {"hour": 5, "minute": 9}
